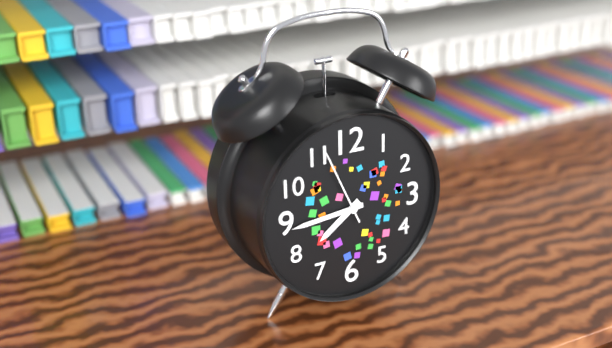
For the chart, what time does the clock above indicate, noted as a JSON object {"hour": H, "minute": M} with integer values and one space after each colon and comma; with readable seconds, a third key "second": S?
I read {"hour": 7, "minute": 44, "second": 56}
